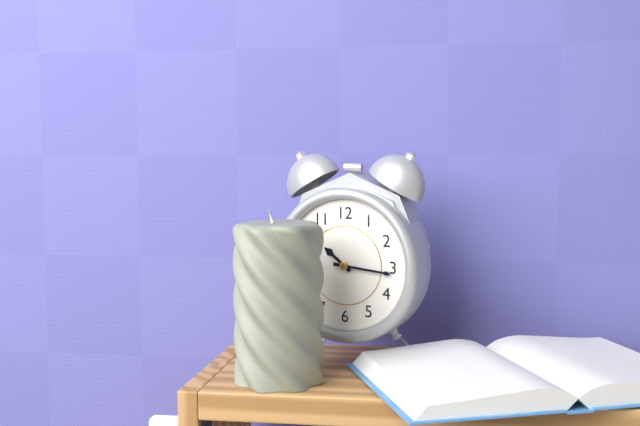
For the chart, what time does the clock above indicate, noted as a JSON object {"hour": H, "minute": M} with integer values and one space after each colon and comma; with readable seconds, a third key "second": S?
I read {"hour": 10, "minute": 16}
